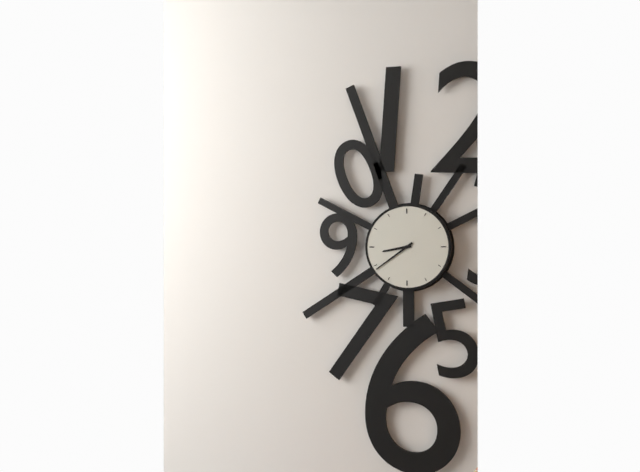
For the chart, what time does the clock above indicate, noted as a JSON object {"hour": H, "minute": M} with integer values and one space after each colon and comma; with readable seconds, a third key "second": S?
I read {"hour": 8, "minute": 39}
